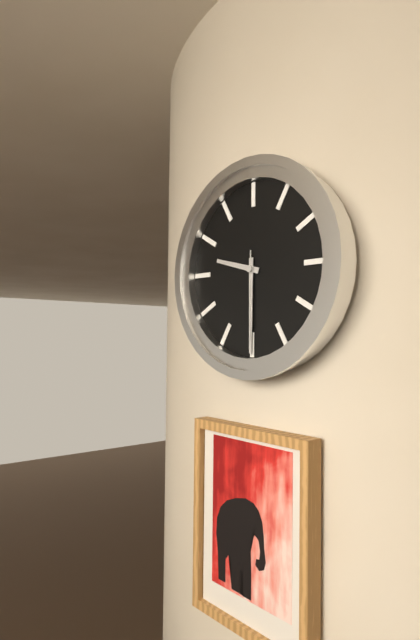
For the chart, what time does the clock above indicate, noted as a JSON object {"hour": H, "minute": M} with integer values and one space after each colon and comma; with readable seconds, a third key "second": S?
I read {"hour": 9, "minute": 30, "second": 30}
